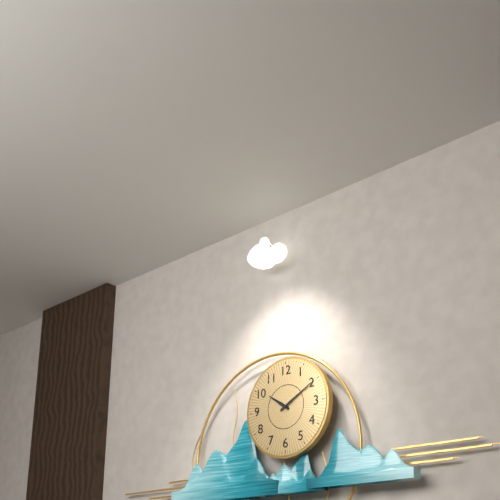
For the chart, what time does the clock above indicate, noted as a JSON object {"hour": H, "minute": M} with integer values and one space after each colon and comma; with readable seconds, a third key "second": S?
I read {"hour": 10, "minute": 10}
